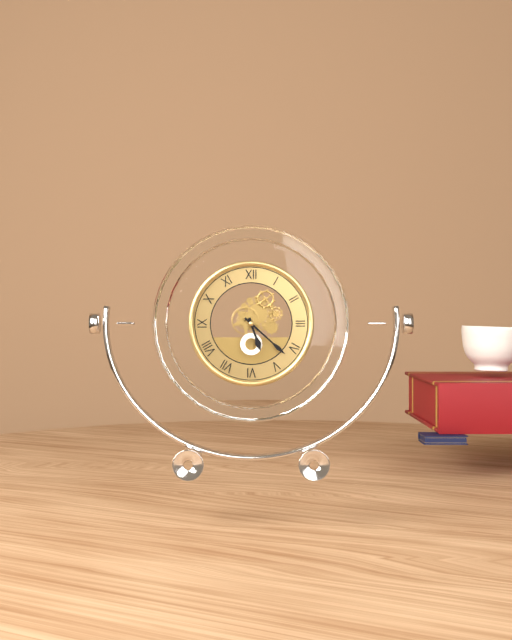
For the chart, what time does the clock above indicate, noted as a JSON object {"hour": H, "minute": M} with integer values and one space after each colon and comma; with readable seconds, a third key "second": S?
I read {"hour": 5, "minute": 22}
